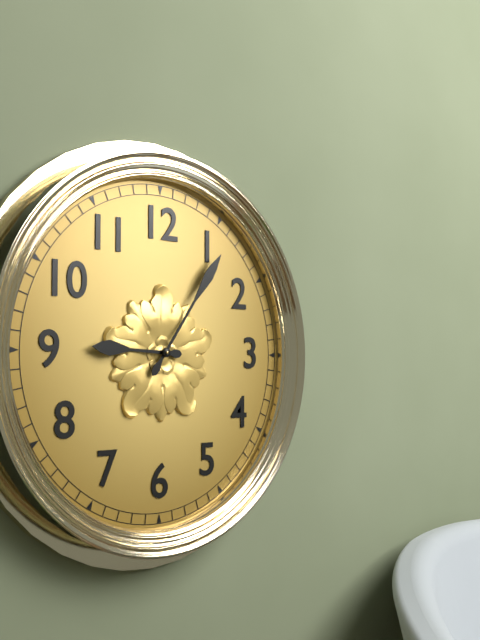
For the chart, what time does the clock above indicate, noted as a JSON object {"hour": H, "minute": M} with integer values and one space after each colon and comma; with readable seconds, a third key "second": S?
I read {"hour": 9, "minute": 6}
